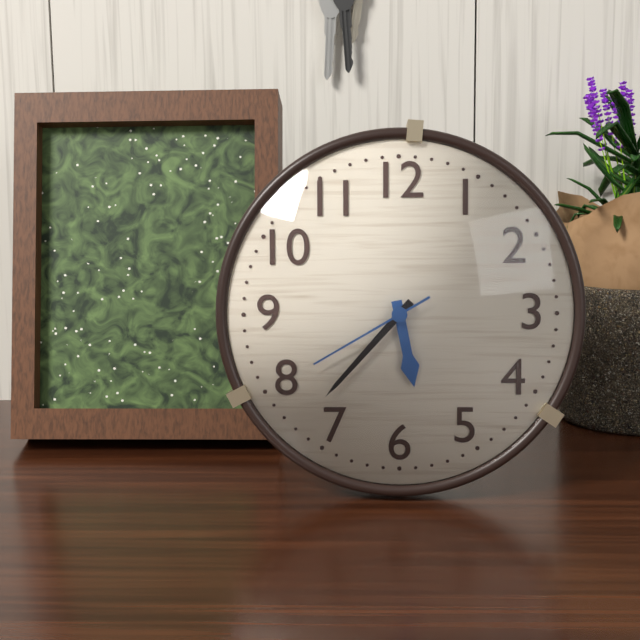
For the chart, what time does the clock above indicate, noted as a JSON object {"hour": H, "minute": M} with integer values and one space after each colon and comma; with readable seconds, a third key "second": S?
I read {"hour": 5, "minute": 37, "second": 40}
